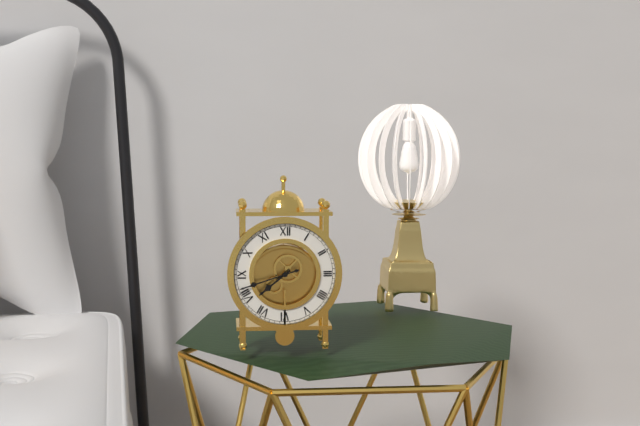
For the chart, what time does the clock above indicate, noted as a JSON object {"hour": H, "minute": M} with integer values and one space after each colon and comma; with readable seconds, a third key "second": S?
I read {"hour": 7, "minute": 42}
